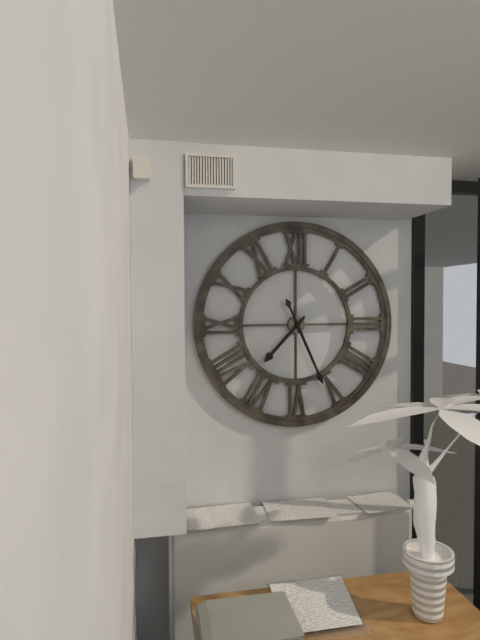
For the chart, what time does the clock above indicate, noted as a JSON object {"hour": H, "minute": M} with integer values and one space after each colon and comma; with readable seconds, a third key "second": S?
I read {"hour": 7, "minute": 26}
